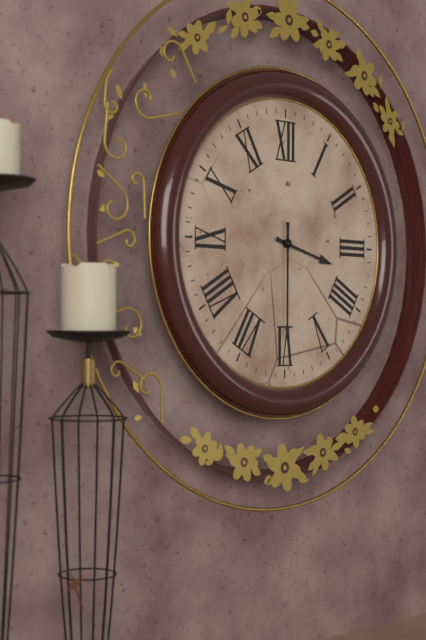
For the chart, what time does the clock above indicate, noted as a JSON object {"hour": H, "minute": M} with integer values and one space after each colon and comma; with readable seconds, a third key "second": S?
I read {"hour": 3, "minute": 30}
